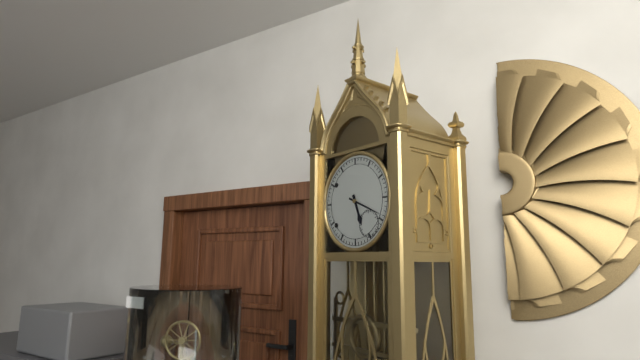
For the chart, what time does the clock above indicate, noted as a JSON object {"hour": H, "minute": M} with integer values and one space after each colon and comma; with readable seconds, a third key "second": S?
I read {"hour": 5, "minute": 19}
